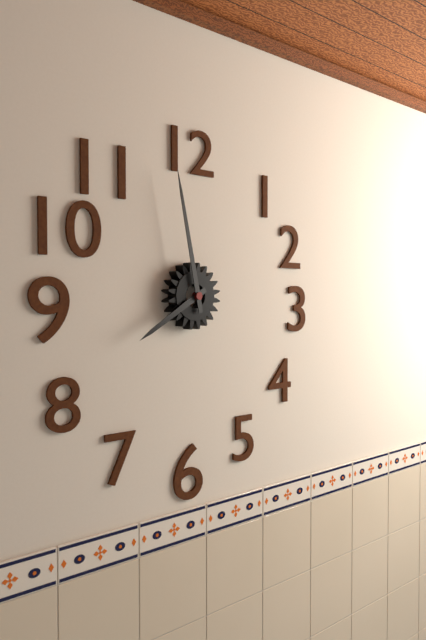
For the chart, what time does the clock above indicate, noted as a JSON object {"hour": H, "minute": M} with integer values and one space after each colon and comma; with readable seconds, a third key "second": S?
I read {"hour": 7, "minute": 58}
